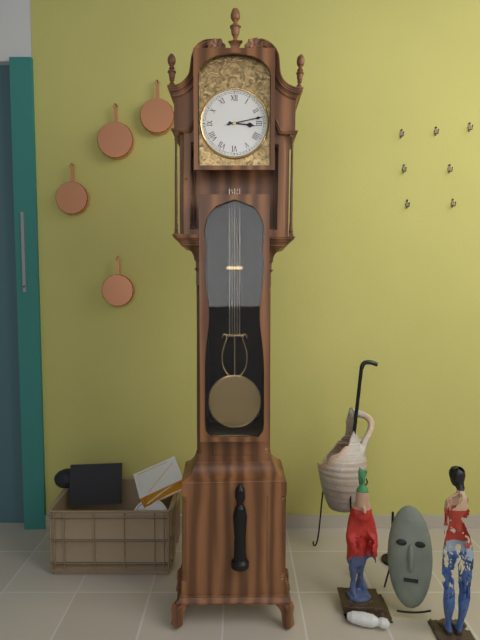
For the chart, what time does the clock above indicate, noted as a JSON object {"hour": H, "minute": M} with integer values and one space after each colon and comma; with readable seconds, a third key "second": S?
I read {"hour": 3, "minute": 13}
